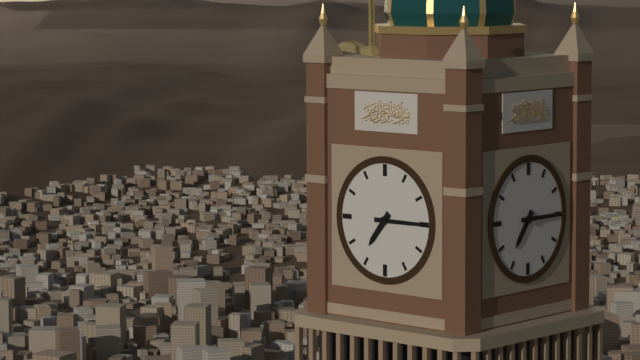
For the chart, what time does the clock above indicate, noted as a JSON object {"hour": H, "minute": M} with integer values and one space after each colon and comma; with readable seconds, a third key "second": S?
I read {"hour": 7, "minute": 15}
